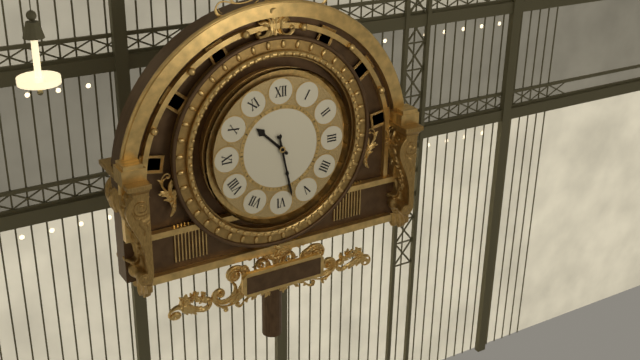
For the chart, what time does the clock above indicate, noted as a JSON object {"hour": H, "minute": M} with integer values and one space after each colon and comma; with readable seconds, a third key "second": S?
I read {"hour": 10, "minute": 28}
